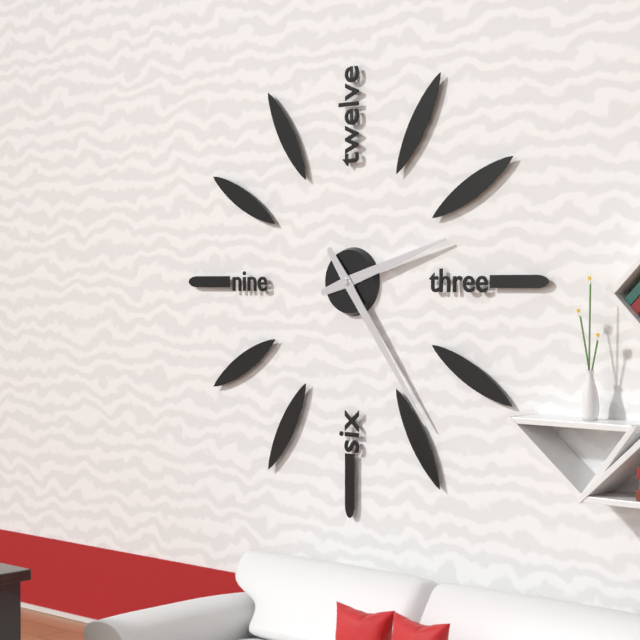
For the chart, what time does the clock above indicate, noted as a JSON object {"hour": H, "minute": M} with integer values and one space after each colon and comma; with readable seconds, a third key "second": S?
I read {"hour": 2, "minute": 24}
